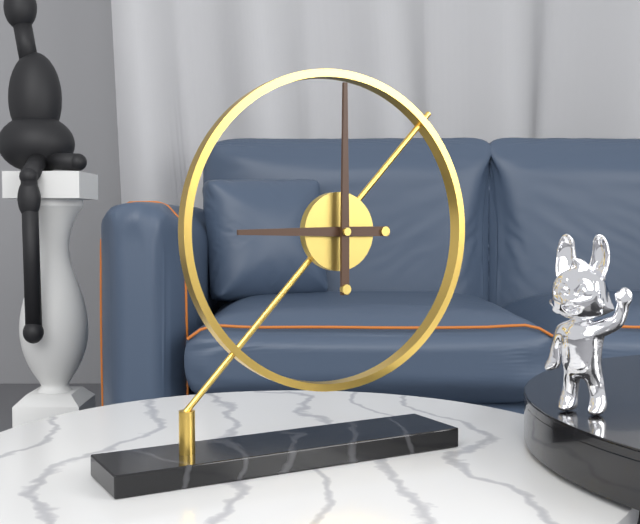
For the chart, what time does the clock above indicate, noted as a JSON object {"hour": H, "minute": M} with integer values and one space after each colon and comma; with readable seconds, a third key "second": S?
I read {"hour": 9, "minute": 0}
